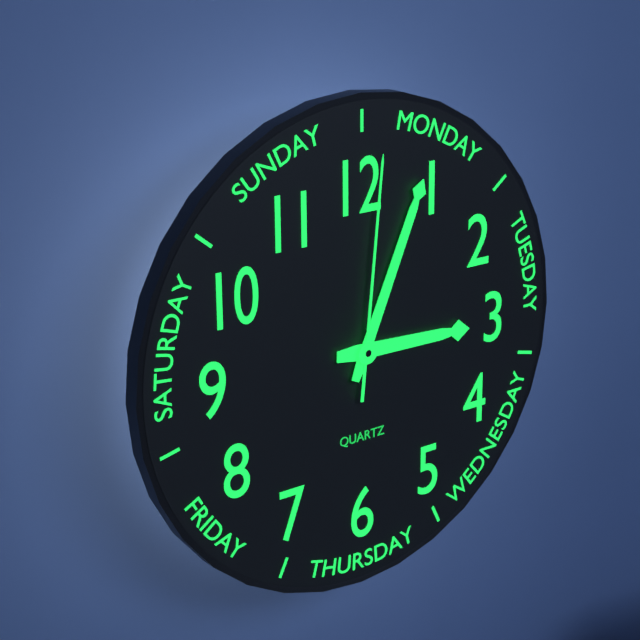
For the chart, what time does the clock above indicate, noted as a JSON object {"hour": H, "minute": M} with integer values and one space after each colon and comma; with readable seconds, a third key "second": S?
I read {"hour": 3, "minute": 4, "second": 1}
